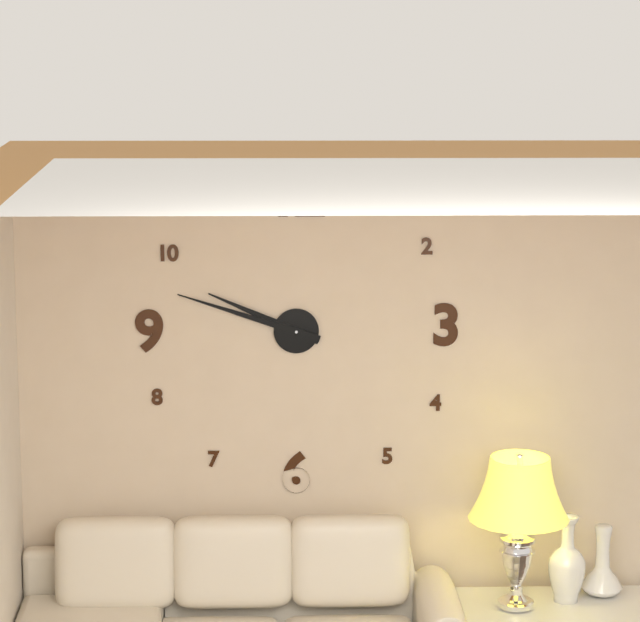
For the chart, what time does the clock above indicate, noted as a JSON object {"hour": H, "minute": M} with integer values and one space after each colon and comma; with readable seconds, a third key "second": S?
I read {"hour": 9, "minute": 48}
